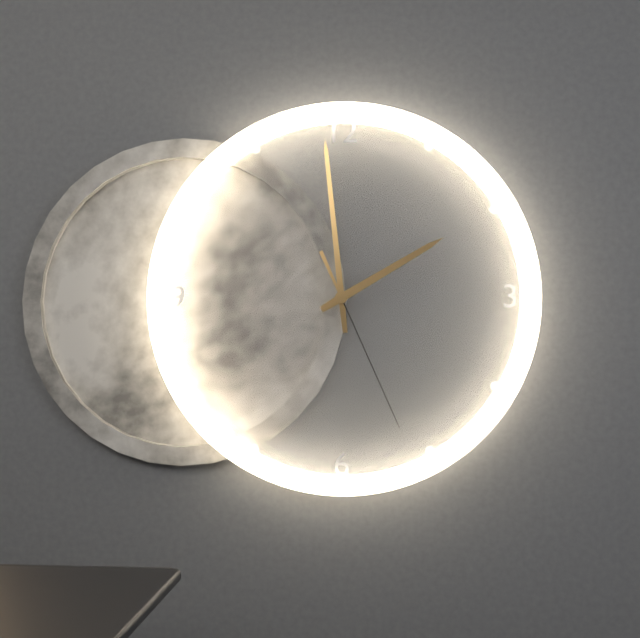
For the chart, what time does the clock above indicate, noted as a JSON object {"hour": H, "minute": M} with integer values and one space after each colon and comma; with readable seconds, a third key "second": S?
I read {"hour": 1, "minute": 59, "second": 26}
